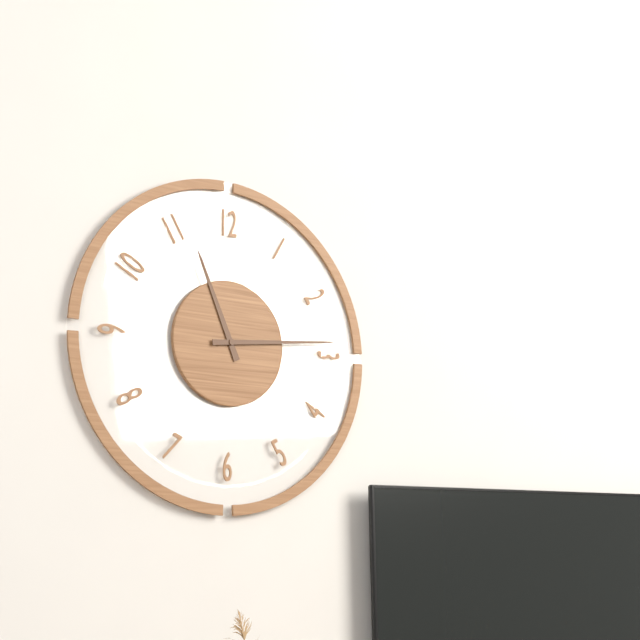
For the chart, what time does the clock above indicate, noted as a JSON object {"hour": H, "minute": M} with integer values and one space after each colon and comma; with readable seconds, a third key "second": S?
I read {"hour": 11, "minute": 14}
